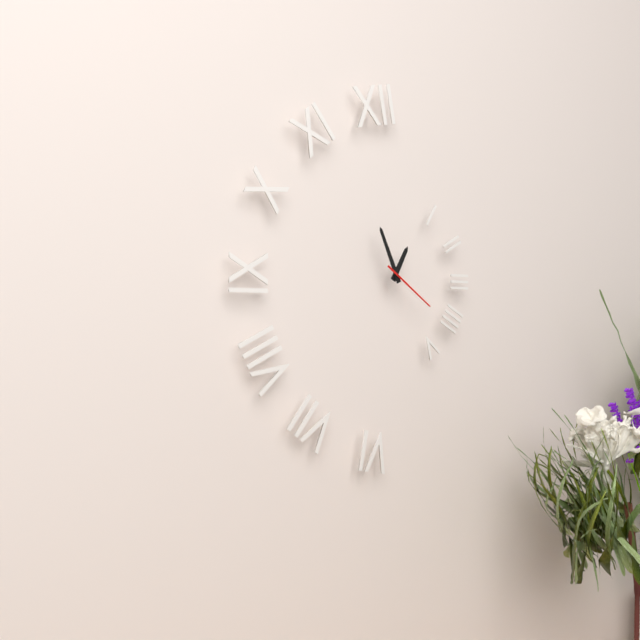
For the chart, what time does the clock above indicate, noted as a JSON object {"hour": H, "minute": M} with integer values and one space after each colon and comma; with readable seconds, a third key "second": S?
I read {"hour": 12, "minute": 56, "second": 21}
